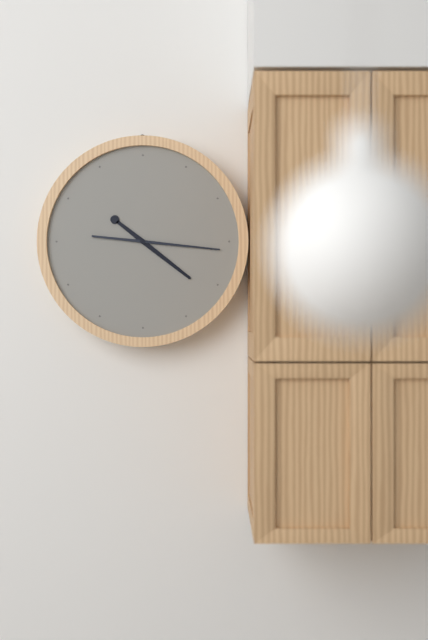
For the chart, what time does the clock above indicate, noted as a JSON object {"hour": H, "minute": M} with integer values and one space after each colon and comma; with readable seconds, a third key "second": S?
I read {"hour": 4, "minute": 16}
